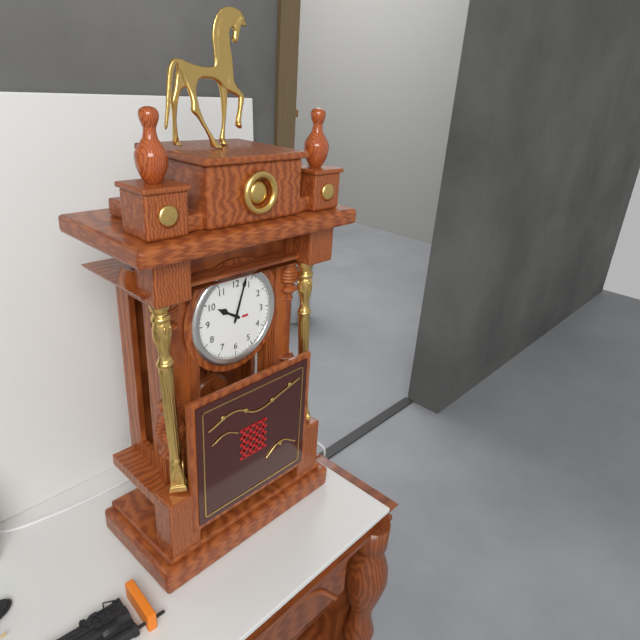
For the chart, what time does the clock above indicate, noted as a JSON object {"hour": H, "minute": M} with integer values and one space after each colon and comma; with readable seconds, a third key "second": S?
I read {"hour": 10, "minute": 3}
